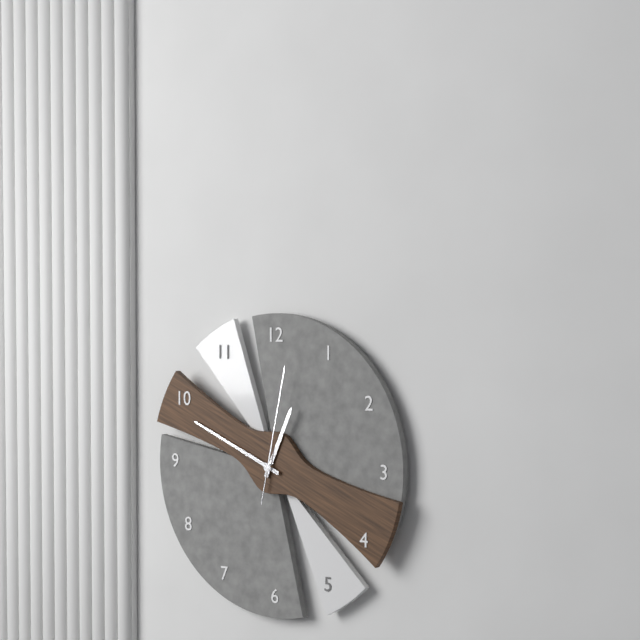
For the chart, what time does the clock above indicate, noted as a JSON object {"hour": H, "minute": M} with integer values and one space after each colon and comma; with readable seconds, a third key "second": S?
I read {"hour": 12, "minute": 49, "second": 2}
